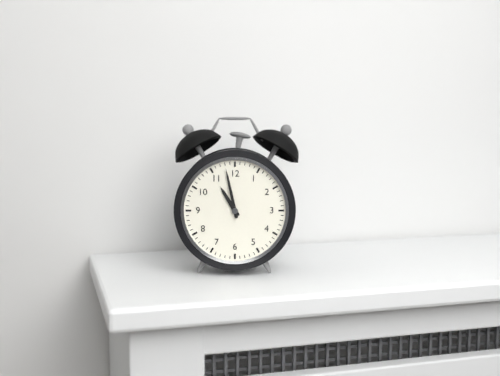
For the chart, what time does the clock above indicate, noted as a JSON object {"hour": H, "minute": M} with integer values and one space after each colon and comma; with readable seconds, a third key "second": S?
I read {"hour": 10, "minute": 58}
